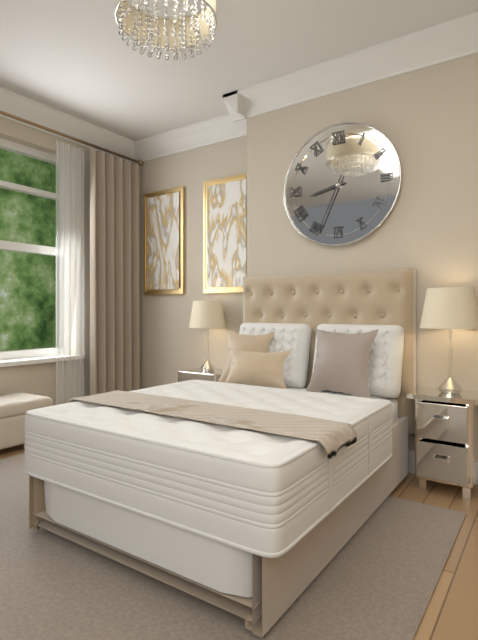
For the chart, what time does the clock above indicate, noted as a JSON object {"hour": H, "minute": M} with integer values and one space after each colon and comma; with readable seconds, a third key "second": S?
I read {"hour": 8, "minute": 34}
